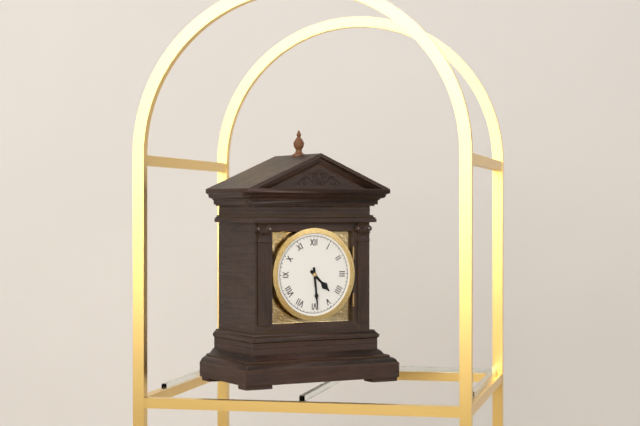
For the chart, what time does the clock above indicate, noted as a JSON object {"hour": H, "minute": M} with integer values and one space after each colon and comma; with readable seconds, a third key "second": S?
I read {"hour": 4, "minute": 29}
